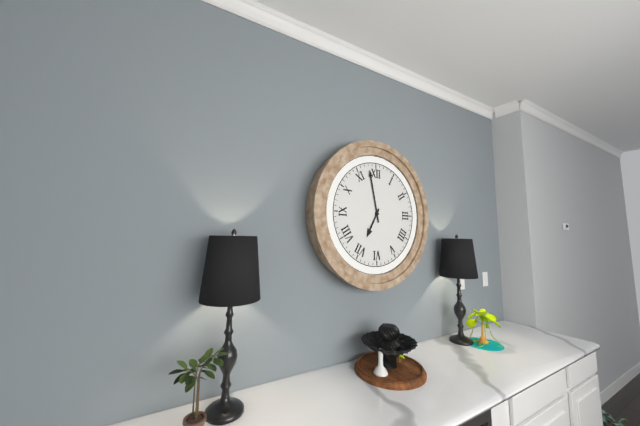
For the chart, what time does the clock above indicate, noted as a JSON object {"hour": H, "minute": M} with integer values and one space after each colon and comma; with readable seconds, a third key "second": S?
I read {"hour": 6, "minute": 58}
